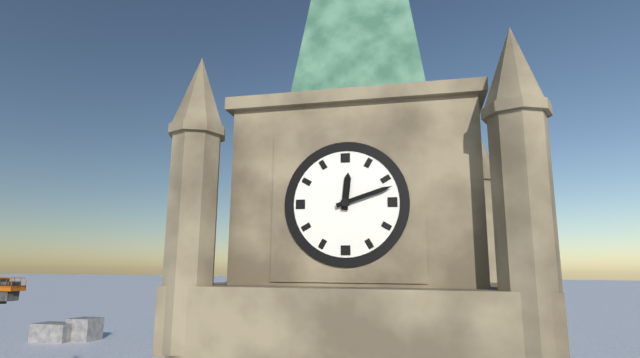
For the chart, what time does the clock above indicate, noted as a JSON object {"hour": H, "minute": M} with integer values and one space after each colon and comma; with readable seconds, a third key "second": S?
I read {"hour": 12, "minute": 12}
